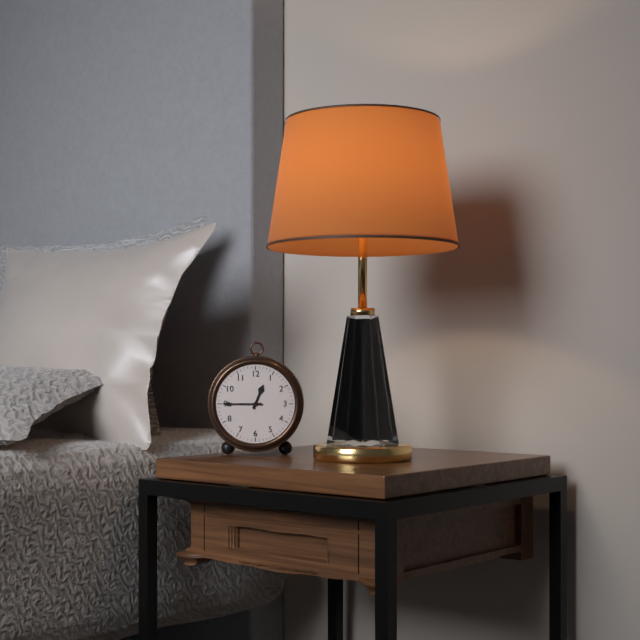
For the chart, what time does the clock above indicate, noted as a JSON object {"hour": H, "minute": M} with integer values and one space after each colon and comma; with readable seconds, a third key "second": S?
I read {"hour": 12, "minute": 45}
